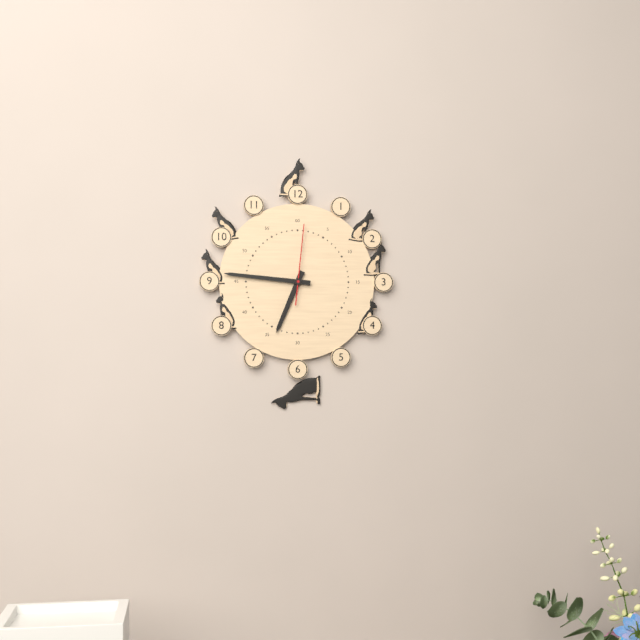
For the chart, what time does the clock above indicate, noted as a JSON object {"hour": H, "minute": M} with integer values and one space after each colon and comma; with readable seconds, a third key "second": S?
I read {"hour": 6, "minute": 46, "second": 1}
